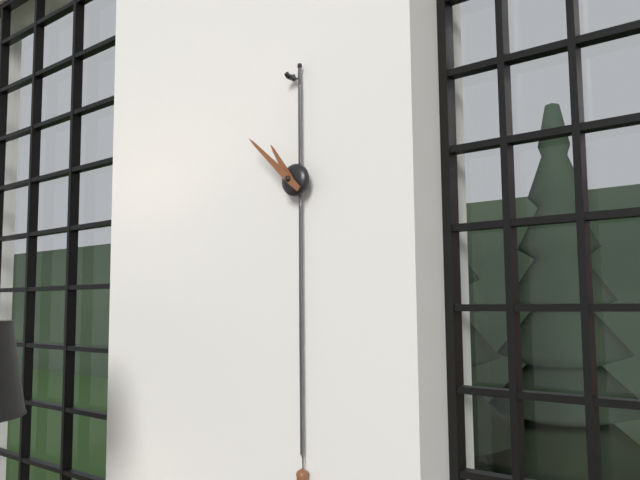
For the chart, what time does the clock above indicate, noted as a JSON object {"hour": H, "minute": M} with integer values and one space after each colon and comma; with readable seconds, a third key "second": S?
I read {"hour": 10, "minute": 52}
